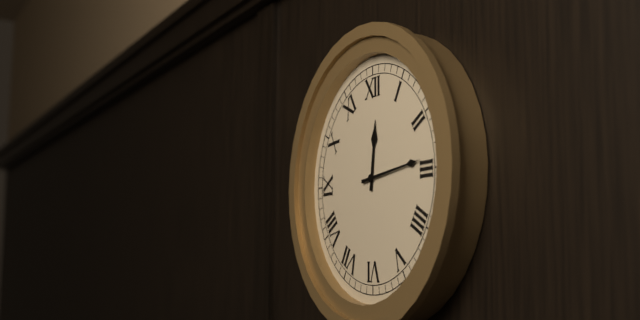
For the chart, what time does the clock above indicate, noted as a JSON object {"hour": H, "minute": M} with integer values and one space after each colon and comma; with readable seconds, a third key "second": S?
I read {"hour": 12, "minute": 14}
